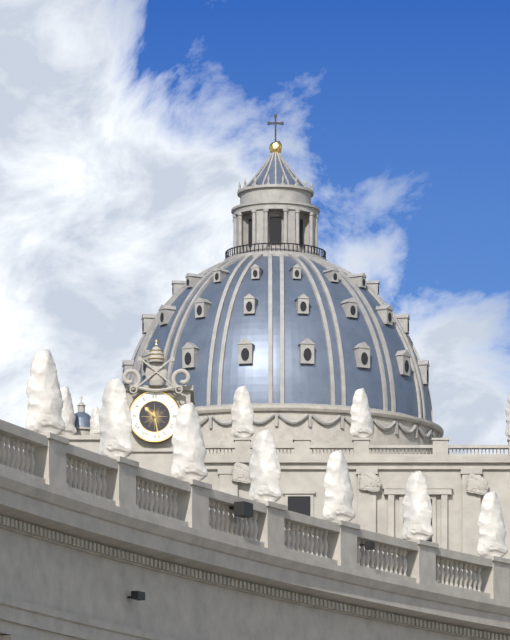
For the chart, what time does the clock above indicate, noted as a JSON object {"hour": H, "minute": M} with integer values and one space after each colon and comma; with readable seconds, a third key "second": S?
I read {"hour": 10, "minute": 28}
